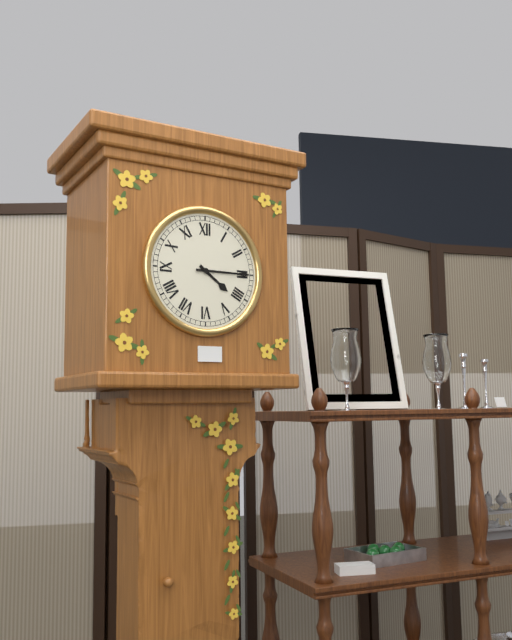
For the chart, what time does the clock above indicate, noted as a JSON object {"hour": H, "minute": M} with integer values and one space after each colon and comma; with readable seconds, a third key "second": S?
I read {"hour": 4, "minute": 15}
